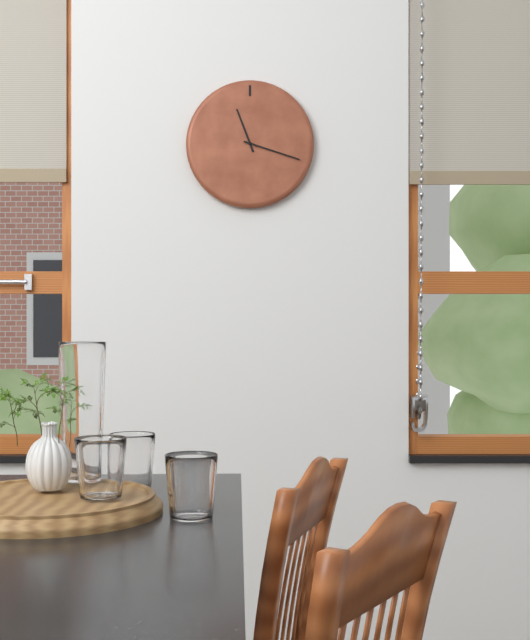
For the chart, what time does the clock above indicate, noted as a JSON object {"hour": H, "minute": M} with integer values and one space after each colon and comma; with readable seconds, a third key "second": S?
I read {"hour": 11, "minute": 18}
